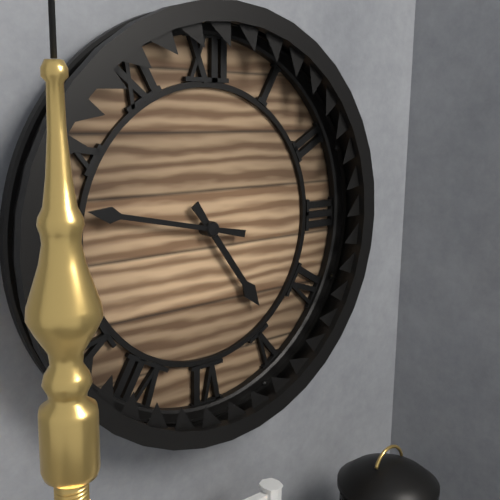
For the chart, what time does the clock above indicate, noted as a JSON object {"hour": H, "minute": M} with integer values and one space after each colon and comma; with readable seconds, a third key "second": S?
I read {"hour": 4, "minute": 47}
